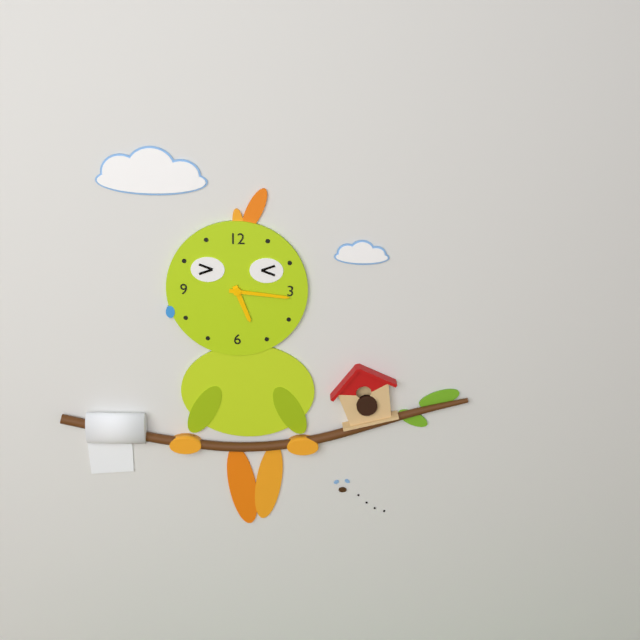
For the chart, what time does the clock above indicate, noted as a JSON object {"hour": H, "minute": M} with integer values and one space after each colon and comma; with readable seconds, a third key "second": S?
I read {"hour": 5, "minute": 16}
